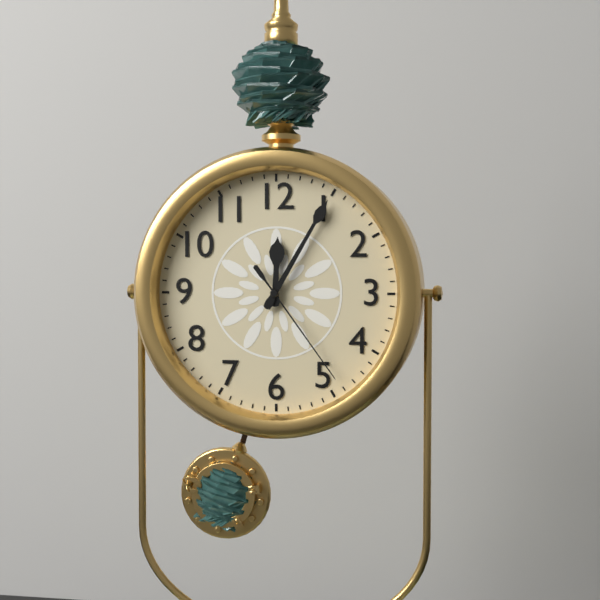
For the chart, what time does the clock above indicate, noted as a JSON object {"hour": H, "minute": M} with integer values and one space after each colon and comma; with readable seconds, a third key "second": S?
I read {"hour": 12, "minute": 5, "second": 24}
